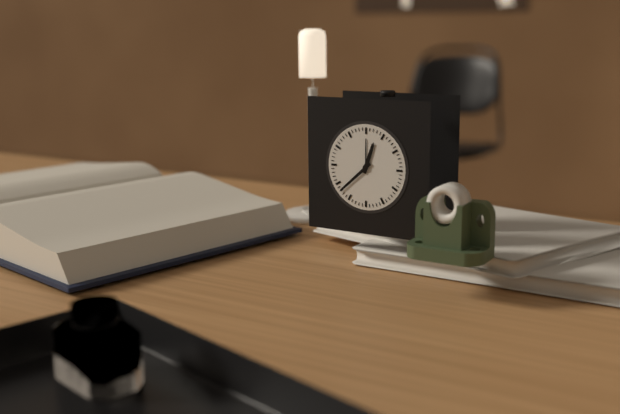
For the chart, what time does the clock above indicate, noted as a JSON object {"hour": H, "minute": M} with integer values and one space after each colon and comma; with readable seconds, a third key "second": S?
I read {"hour": 12, "minute": 38}
